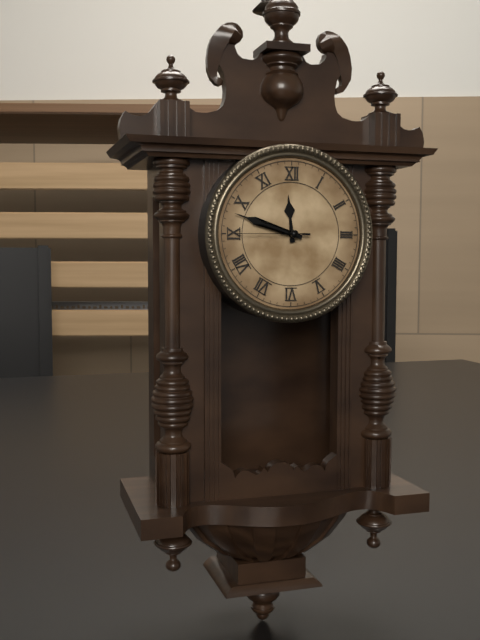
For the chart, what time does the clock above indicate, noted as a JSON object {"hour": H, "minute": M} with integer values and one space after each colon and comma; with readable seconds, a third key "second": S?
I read {"hour": 11, "minute": 48, "second": 45}
